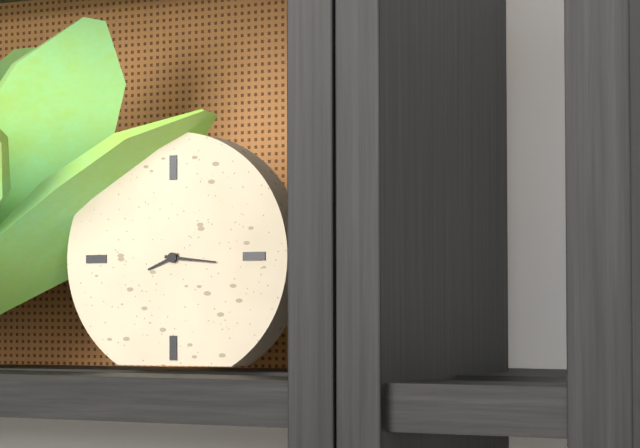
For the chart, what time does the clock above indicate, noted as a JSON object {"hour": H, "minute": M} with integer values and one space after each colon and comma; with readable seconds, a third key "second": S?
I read {"hour": 8, "minute": 16}
